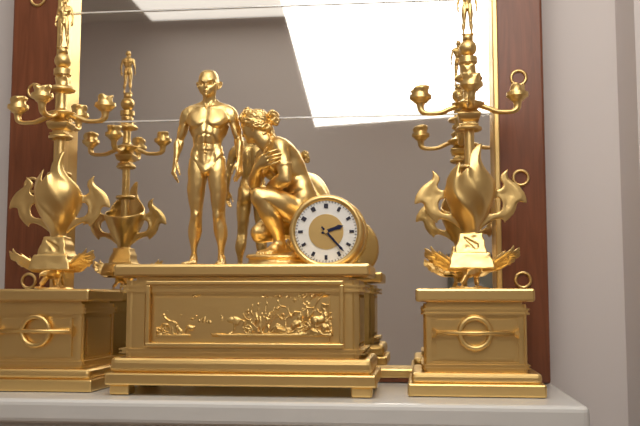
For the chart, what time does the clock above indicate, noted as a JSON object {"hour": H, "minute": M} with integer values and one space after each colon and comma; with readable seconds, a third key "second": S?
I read {"hour": 2, "minute": 23}
